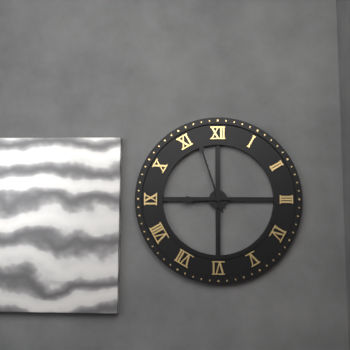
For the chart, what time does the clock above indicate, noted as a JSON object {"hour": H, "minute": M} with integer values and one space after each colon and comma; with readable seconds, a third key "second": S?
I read {"hour": 8, "minute": 57}
